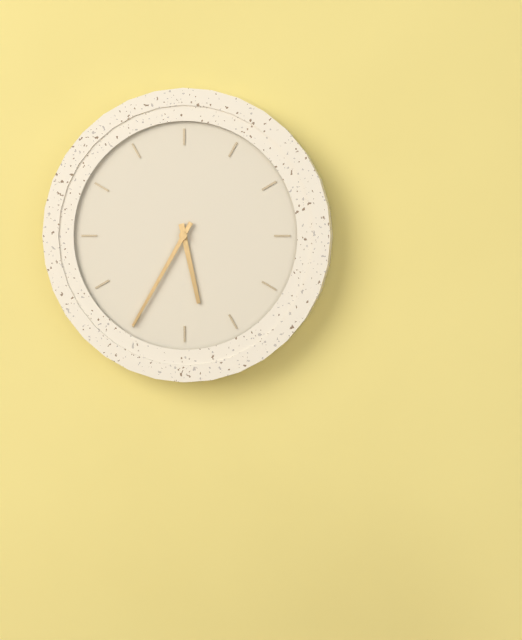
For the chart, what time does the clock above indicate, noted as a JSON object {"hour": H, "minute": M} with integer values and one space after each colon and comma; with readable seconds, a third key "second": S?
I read {"hour": 5, "minute": 35}
